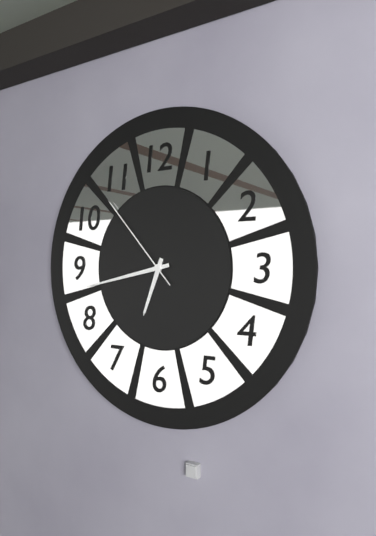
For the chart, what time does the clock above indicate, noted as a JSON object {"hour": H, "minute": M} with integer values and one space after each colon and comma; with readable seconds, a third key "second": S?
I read {"hour": 6, "minute": 43, "second": 53}
